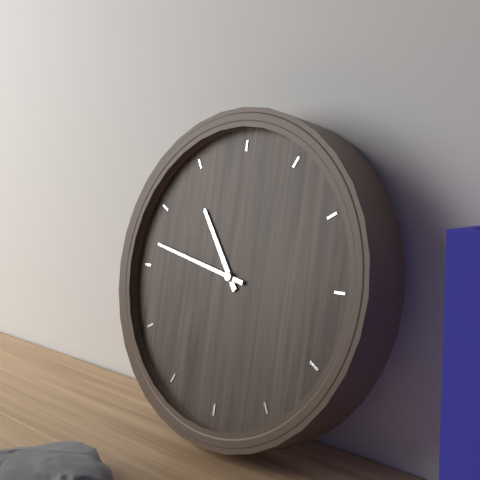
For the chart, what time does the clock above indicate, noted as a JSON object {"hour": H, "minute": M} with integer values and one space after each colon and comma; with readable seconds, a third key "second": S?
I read {"hour": 10, "minute": 47}
